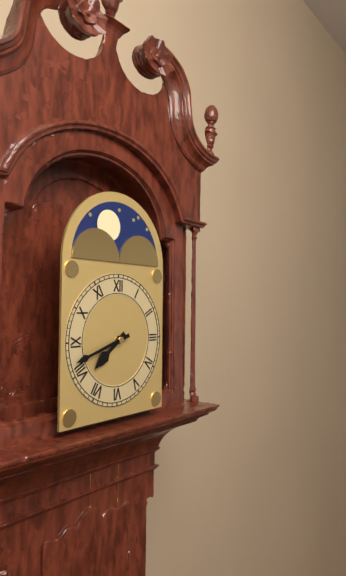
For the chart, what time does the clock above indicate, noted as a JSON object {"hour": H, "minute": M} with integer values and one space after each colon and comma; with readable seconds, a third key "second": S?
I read {"hour": 7, "minute": 42}
